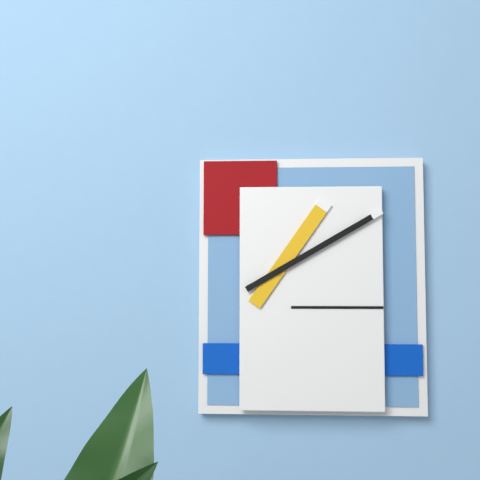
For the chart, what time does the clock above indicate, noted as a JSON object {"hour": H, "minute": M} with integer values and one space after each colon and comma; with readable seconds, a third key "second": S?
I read {"hour": 1, "minute": 10}
